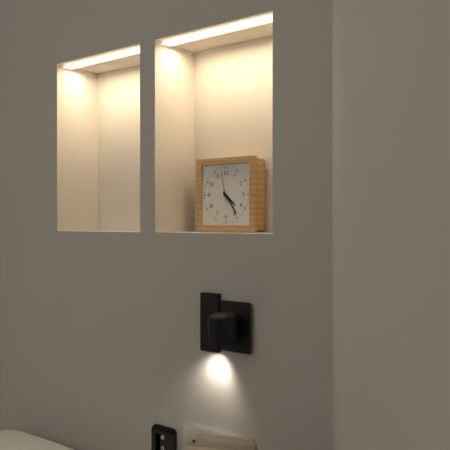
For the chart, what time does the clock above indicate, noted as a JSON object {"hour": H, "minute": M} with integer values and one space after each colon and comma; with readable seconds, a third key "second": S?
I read {"hour": 4, "minute": 24}
